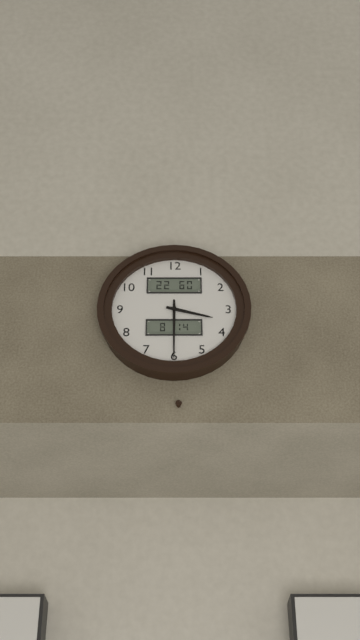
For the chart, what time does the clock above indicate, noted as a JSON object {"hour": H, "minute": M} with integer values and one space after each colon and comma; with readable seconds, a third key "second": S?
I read {"hour": 3, "minute": 30}
